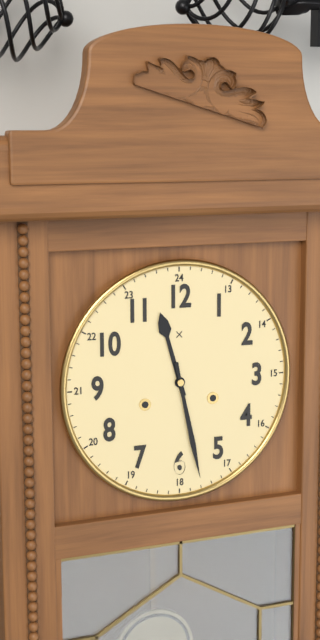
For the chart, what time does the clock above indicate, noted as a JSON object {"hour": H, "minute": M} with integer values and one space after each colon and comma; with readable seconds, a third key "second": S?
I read {"hour": 11, "minute": 28}
